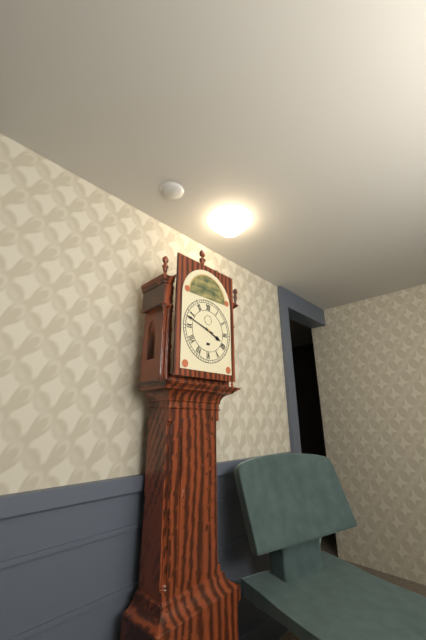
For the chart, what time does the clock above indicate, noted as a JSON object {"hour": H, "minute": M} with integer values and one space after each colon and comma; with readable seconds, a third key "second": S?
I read {"hour": 3, "minute": 48}
